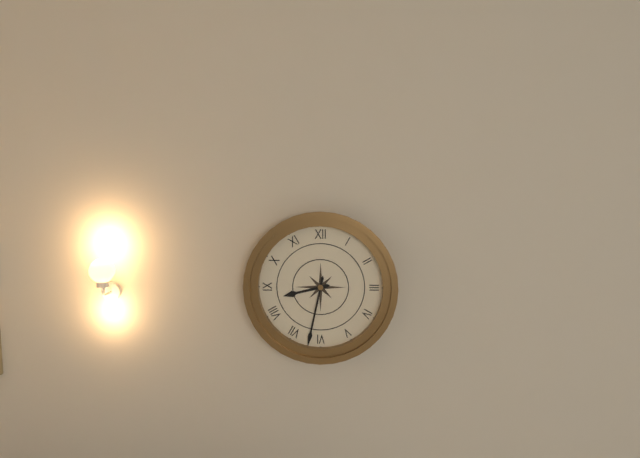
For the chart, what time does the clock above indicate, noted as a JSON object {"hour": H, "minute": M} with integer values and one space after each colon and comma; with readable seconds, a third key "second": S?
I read {"hour": 8, "minute": 32}
